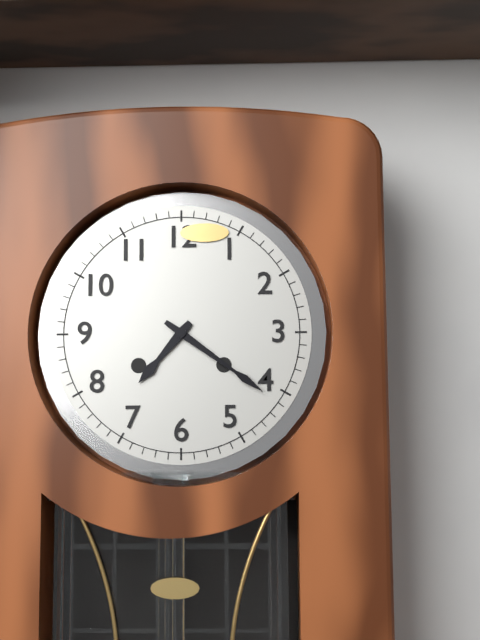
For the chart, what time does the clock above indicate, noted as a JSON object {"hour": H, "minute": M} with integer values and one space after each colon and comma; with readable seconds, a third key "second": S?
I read {"hour": 7, "minute": 21}
